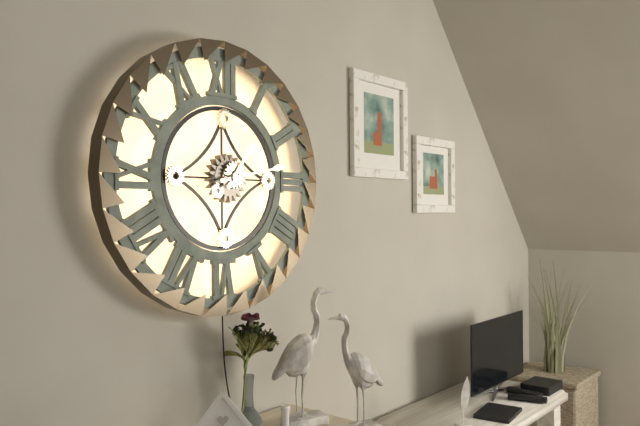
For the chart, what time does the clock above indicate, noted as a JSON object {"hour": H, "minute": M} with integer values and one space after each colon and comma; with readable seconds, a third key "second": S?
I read {"hour": 1, "minute": 13}
